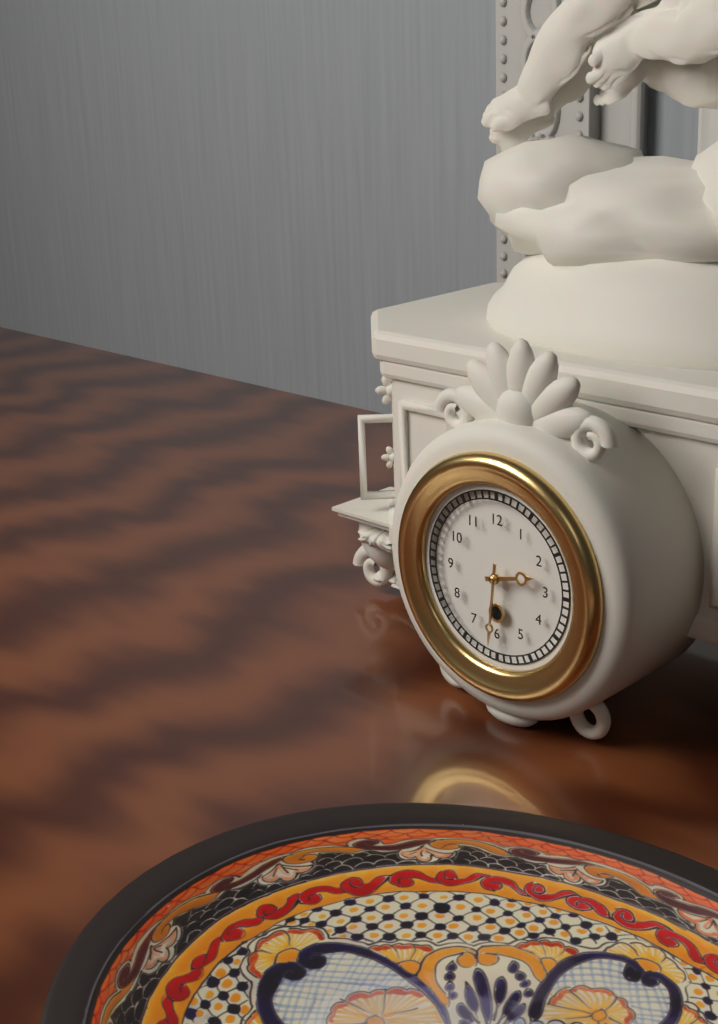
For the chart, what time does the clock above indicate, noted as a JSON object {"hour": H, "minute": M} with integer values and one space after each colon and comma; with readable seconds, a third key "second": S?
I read {"hour": 2, "minute": 31}
